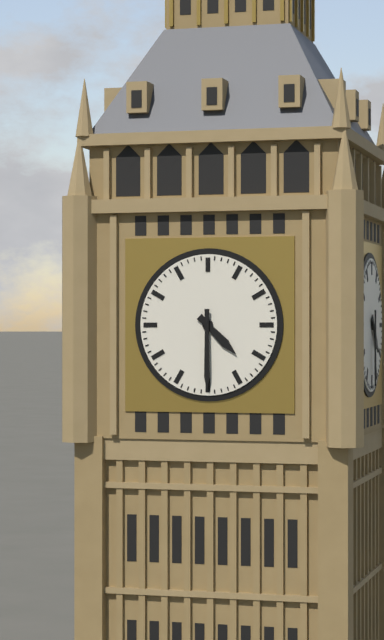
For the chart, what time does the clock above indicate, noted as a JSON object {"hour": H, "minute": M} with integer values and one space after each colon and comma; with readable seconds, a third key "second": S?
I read {"hour": 4, "minute": 30}
